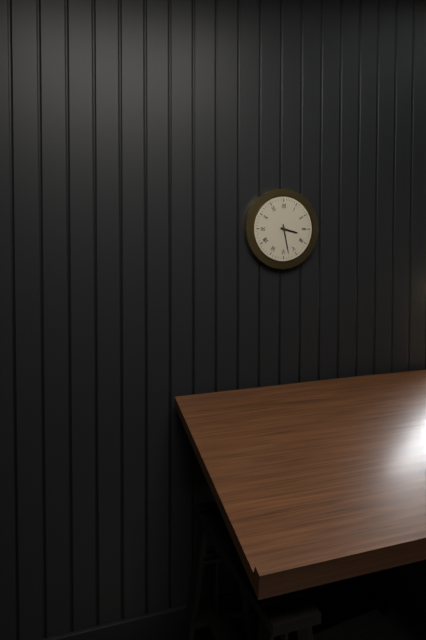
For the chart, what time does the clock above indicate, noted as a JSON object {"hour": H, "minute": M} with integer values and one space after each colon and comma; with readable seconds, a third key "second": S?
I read {"hour": 3, "minute": 28}
